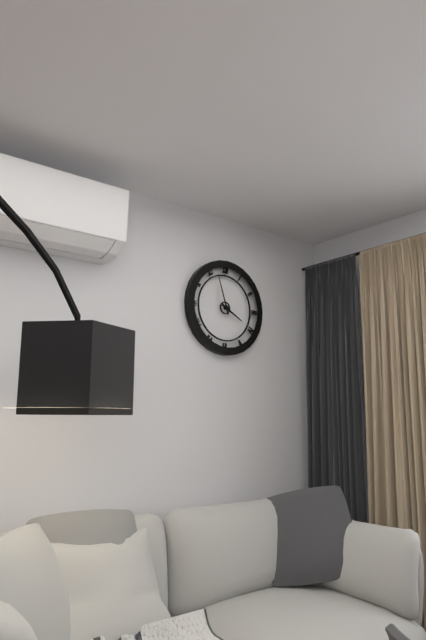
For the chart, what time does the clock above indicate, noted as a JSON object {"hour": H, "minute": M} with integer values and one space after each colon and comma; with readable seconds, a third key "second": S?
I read {"hour": 3, "minute": 57}
